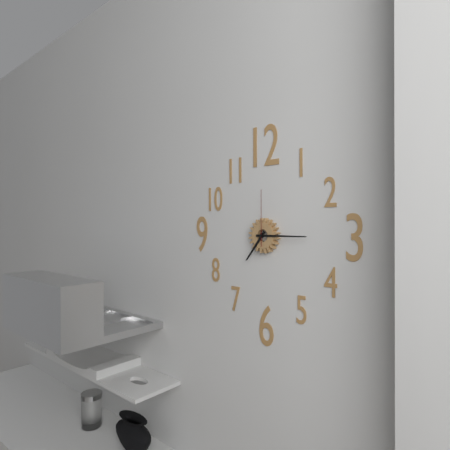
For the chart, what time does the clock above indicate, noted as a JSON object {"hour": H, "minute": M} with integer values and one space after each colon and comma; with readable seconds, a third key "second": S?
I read {"hour": 7, "minute": 15, "second": 0}
